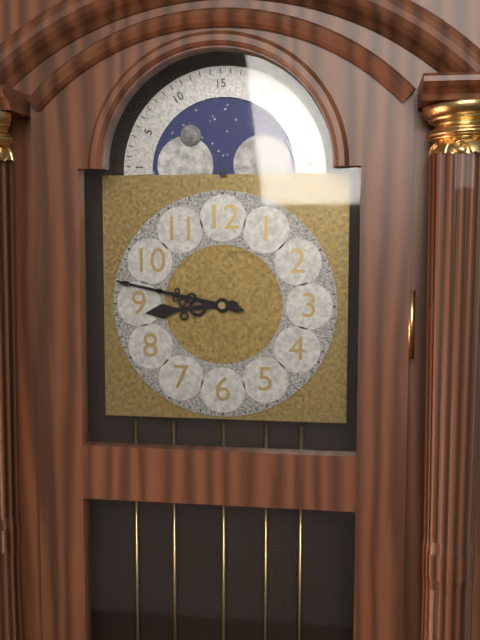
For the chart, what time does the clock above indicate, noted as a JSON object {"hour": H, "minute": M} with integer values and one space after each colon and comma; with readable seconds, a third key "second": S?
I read {"hour": 8, "minute": 47}
